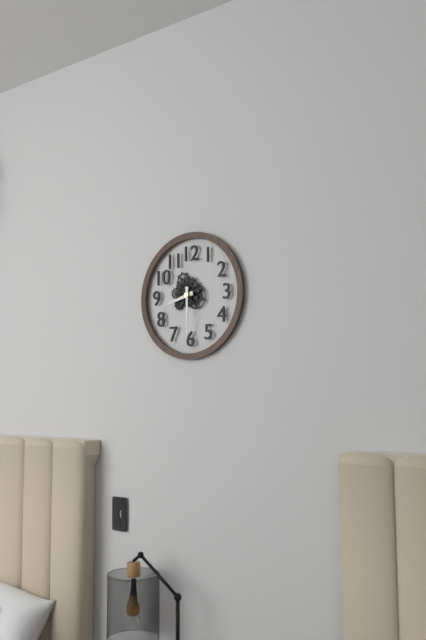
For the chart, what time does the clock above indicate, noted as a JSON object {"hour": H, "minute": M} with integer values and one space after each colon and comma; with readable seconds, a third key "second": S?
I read {"hour": 8, "minute": 30}
